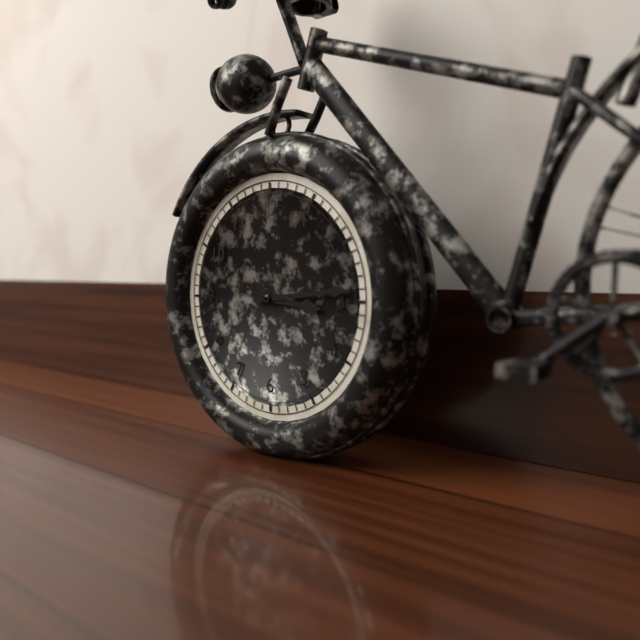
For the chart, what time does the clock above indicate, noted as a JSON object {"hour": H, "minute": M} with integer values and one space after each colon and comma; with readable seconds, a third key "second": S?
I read {"hour": 3, "minute": 14}
